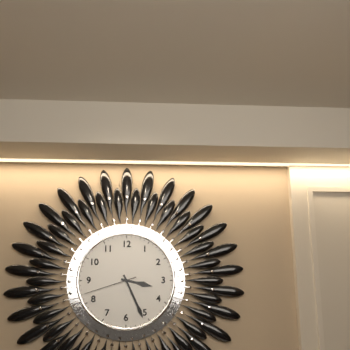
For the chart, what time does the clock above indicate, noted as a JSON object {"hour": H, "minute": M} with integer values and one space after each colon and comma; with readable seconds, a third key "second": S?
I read {"hour": 3, "minute": 26, "second": 42}
